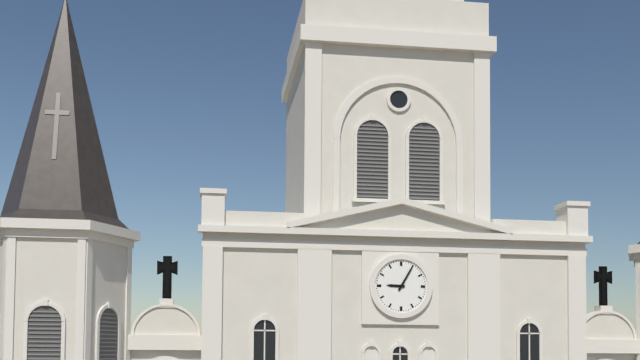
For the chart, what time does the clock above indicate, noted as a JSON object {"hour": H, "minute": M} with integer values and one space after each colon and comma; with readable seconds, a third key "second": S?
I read {"hour": 9, "minute": 5}
